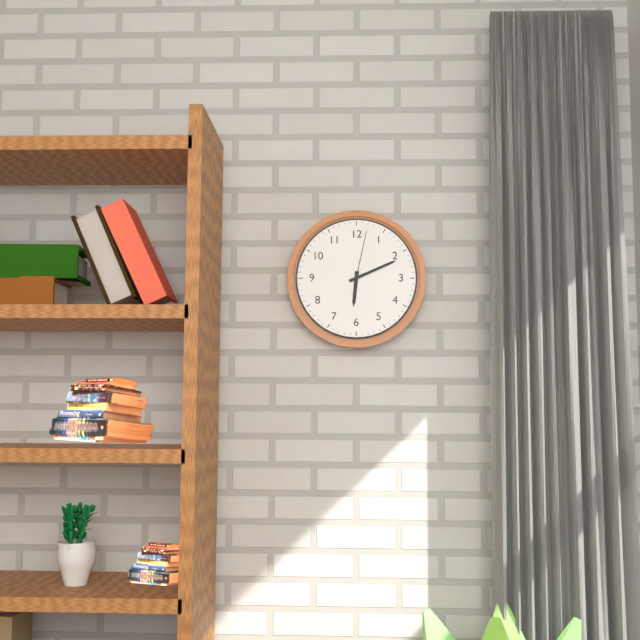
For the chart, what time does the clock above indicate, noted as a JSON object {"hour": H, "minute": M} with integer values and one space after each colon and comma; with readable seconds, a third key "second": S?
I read {"hour": 6, "minute": 11, "second": 2}
